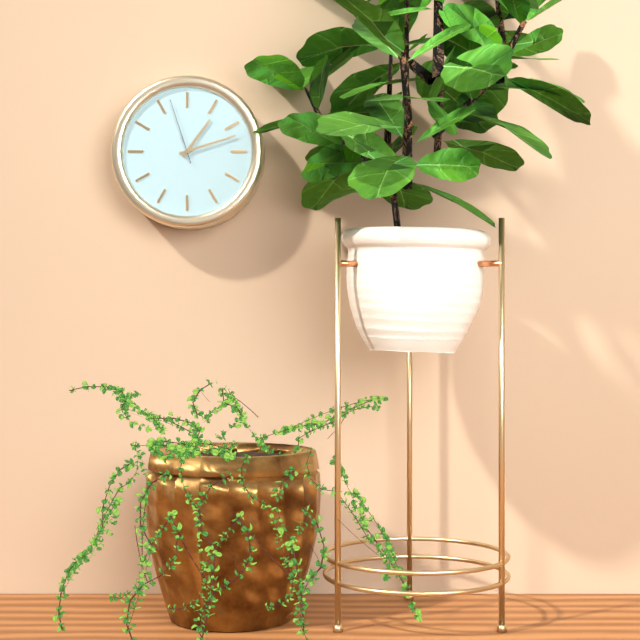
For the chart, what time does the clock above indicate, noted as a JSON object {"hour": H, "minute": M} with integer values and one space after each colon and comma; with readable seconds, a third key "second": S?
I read {"hour": 1, "minute": 12, "second": 57}
